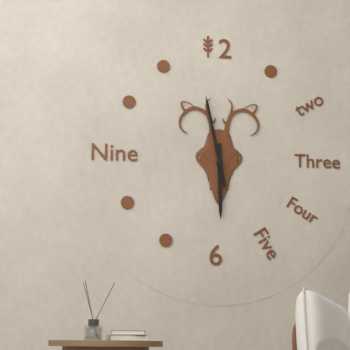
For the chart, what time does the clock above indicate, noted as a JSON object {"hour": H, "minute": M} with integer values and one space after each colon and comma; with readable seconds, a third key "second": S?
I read {"hour": 5, "minute": 58}
